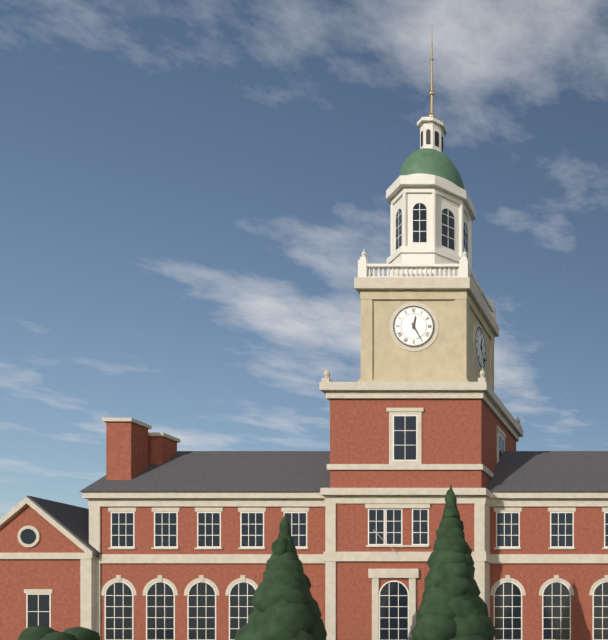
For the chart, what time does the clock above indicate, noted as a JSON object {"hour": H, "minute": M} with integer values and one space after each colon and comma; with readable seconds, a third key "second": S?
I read {"hour": 12, "minute": 25}
